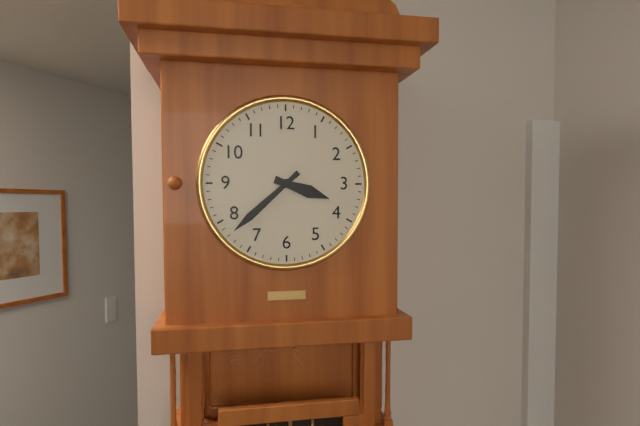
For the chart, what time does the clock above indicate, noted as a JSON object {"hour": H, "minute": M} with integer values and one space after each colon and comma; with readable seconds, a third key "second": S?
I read {"hour": 3, "minute": 38}
